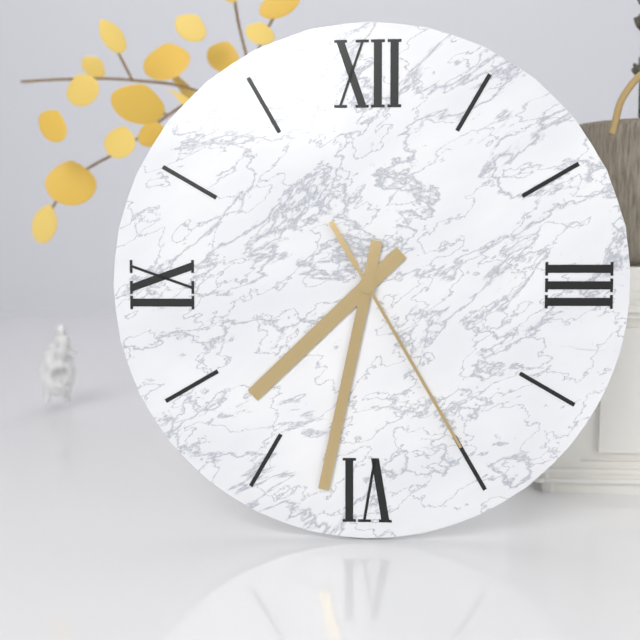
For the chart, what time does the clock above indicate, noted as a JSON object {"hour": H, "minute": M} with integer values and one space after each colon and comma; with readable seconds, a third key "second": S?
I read {"hour": 7, "minute": 32, "second": 25}
